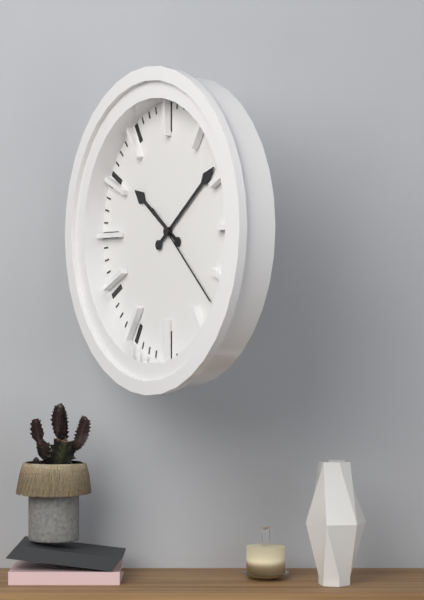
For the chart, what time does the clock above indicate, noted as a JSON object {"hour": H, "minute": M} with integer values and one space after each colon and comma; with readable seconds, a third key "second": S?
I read {"hour": 10, "minute": 9, "second": 22}
